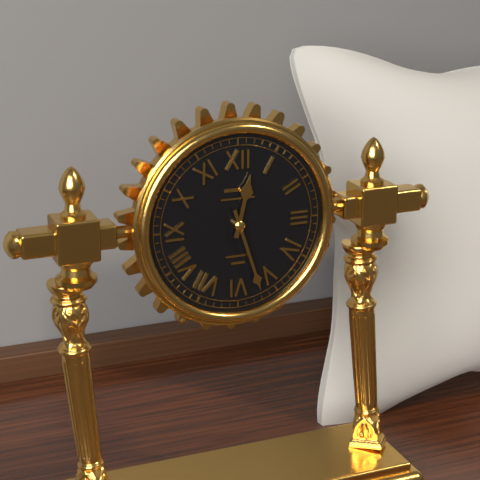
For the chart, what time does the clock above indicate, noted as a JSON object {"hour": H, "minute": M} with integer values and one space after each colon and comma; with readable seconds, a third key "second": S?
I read {"hour": 12, "minute": 27}
